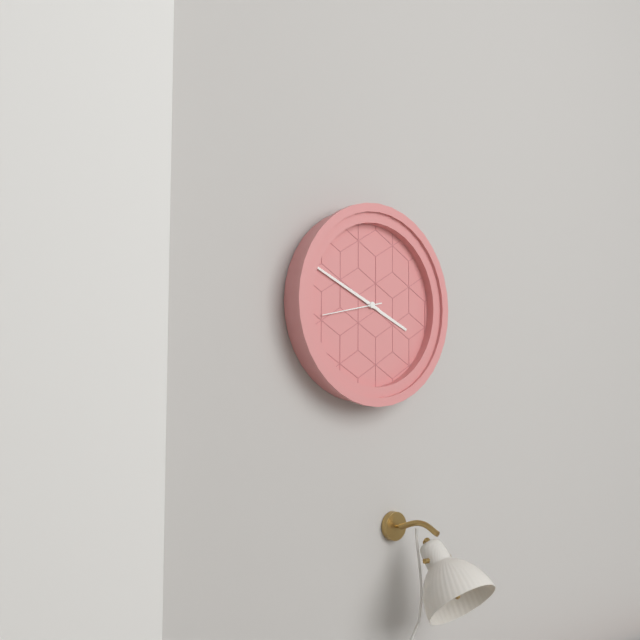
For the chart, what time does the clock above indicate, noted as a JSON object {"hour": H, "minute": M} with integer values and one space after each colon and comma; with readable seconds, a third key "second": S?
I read {"hour": 3, "minute": 49, "second": 43}
